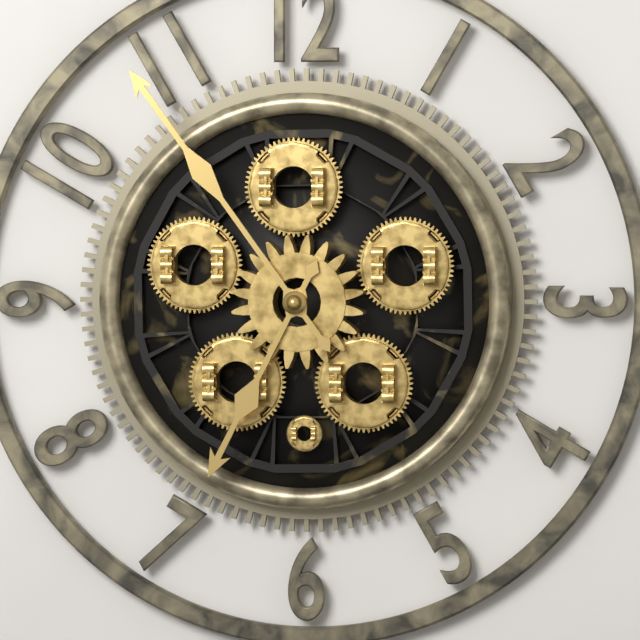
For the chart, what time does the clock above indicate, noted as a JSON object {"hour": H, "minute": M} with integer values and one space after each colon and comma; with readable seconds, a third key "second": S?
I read {"hour": 6, "minute": 54}
